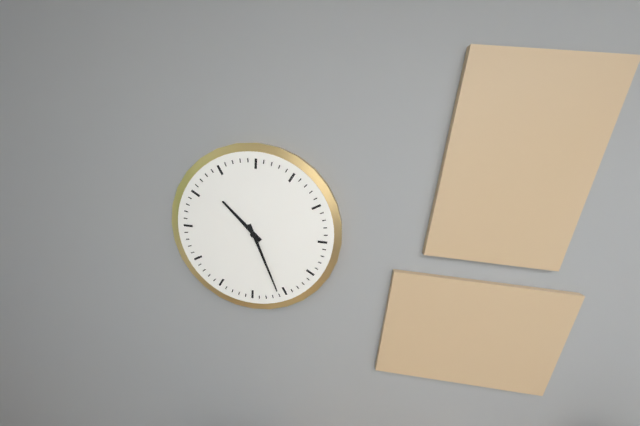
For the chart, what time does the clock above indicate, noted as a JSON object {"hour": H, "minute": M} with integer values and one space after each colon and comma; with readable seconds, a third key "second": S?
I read {"hour": 10, "minute": 26}
